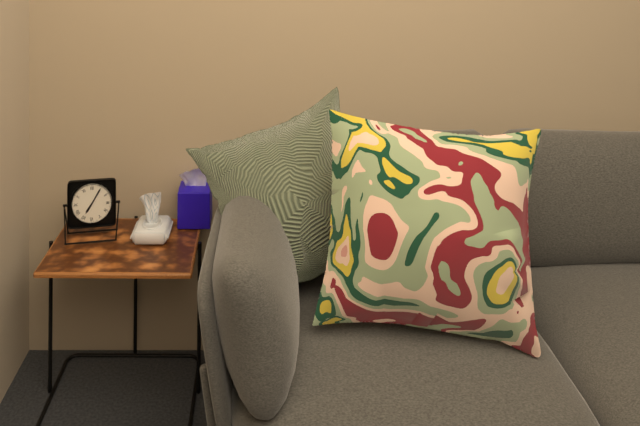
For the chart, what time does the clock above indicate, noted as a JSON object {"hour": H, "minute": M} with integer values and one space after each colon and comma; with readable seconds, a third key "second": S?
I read {"hour": 7, "minute": 5}
